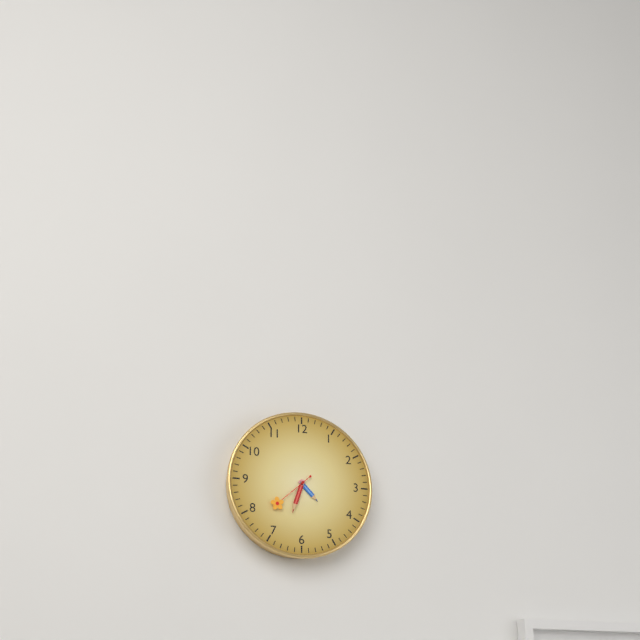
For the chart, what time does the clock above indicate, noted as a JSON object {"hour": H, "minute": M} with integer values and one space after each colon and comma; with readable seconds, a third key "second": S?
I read {"hour": 4, "minute": 33}
